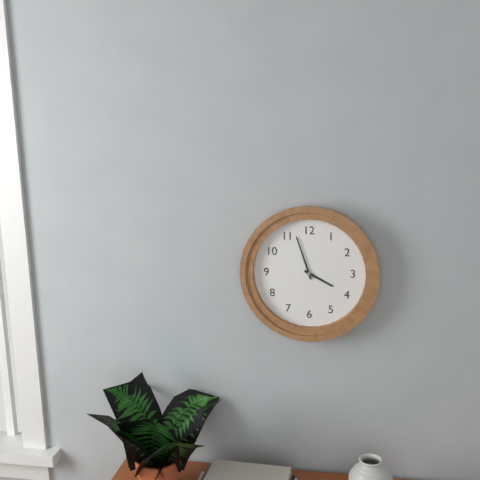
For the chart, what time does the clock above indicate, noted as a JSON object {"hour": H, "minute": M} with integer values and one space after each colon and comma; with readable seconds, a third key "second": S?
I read {"hour": 3, "minute": 57}
